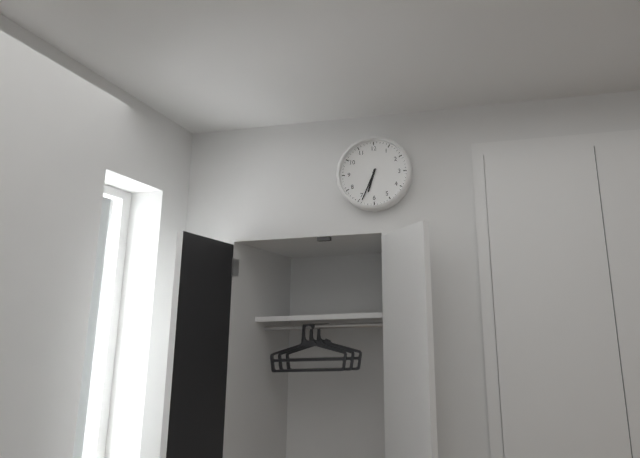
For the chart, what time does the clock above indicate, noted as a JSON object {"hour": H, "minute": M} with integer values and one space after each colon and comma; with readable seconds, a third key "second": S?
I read {"hour": 6, "minute": 34}
